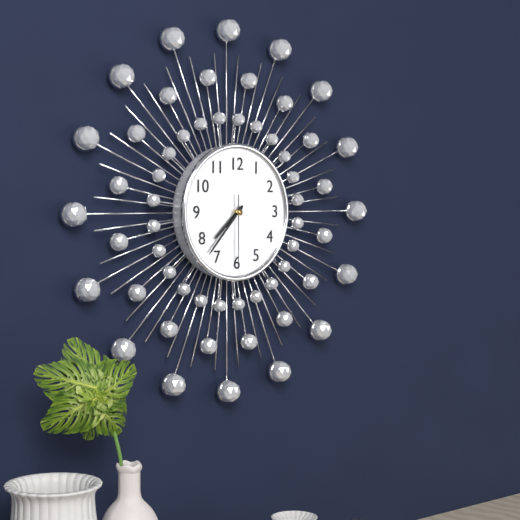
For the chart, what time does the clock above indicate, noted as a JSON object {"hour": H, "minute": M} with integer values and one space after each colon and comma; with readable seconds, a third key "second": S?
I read {"hour": 7, "minute": 37, "second": 30}
